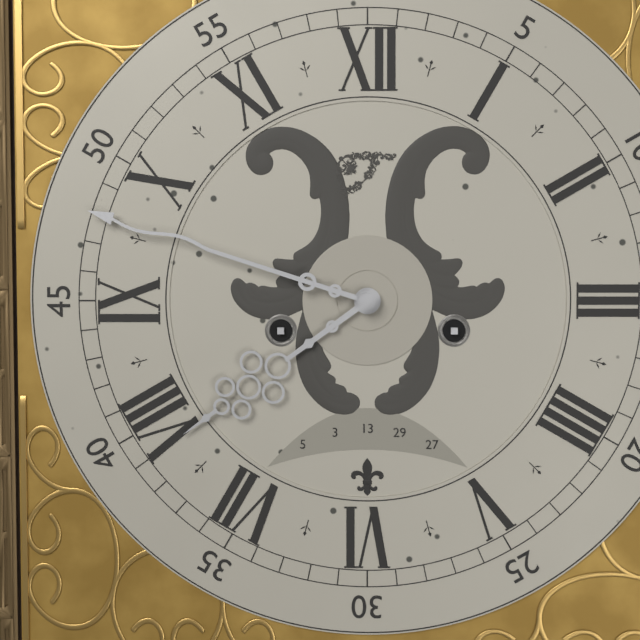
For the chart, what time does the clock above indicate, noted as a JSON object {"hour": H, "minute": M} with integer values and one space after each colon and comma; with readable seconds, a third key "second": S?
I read {"hour": 7, "minute": 48}
